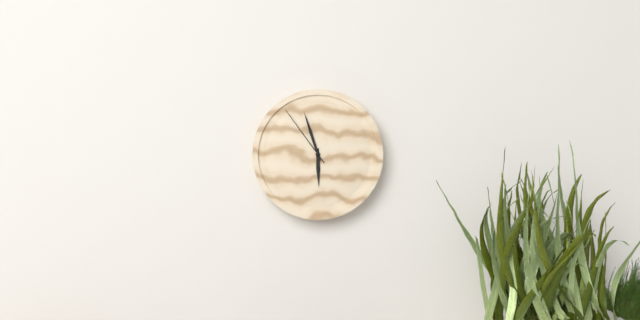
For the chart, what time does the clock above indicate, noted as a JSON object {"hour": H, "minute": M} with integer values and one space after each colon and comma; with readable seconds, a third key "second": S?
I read {"hour": 5, "minute": 57, "second": 54}
